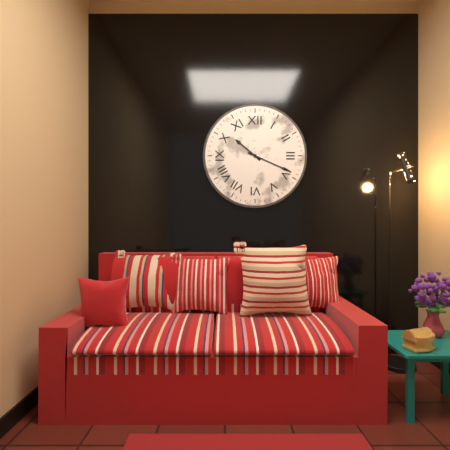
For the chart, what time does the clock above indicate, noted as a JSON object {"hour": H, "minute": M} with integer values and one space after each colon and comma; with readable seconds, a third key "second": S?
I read {"hour": 10, "minute": 19}
